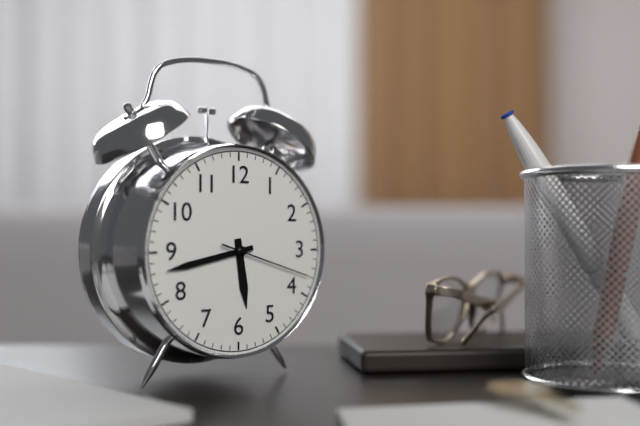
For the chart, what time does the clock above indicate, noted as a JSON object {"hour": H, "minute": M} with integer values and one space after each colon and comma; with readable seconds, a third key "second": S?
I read {"hour": 5, "minute": 43, "second": 18}
